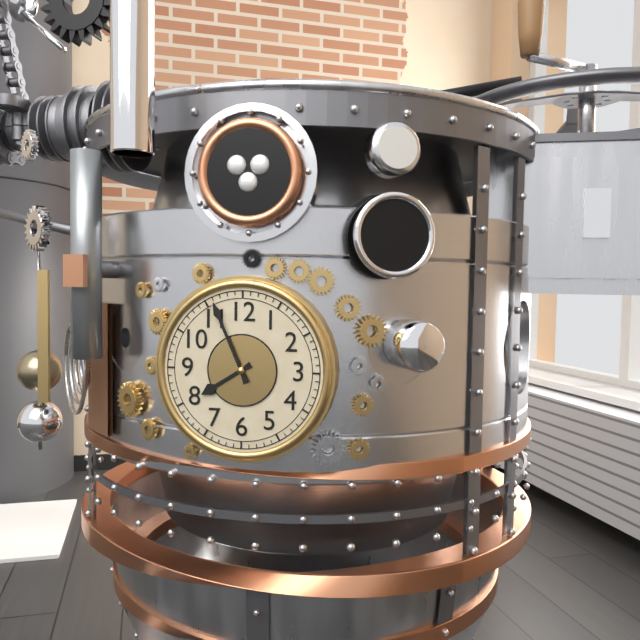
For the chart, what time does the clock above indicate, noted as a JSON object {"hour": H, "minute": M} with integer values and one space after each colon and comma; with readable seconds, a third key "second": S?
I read {"hour": 7, "minute": 56}
